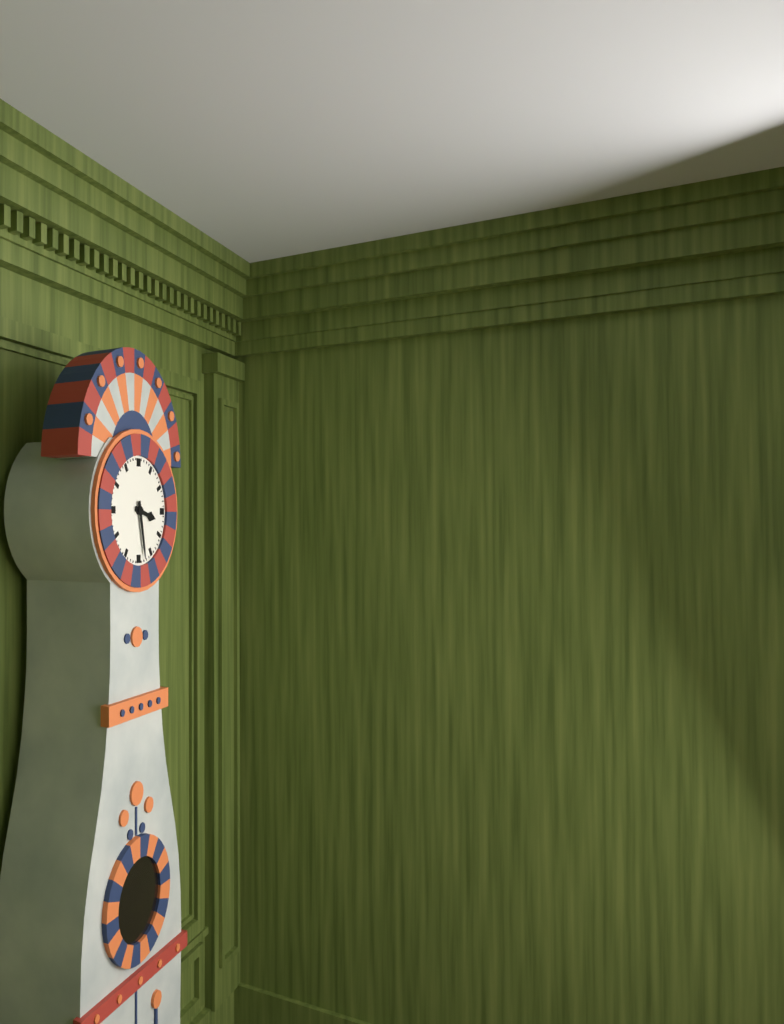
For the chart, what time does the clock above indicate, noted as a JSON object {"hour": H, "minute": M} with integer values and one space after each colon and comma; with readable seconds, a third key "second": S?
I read {"hour": 3, "minute": 28}
